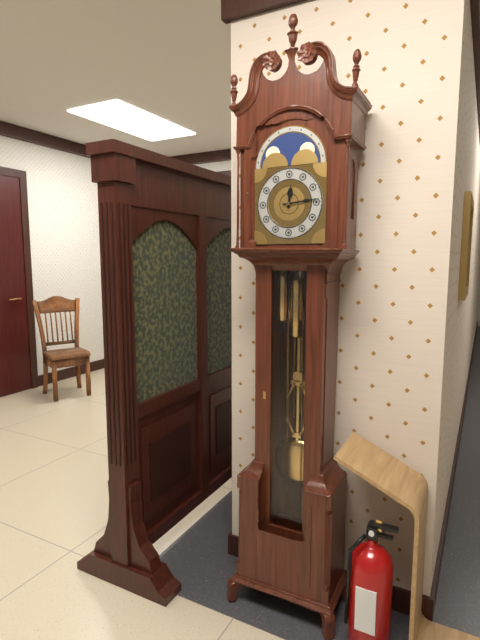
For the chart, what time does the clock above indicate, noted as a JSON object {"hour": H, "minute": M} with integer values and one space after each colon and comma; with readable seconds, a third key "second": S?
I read {"hour": 12, "minute": 14}
